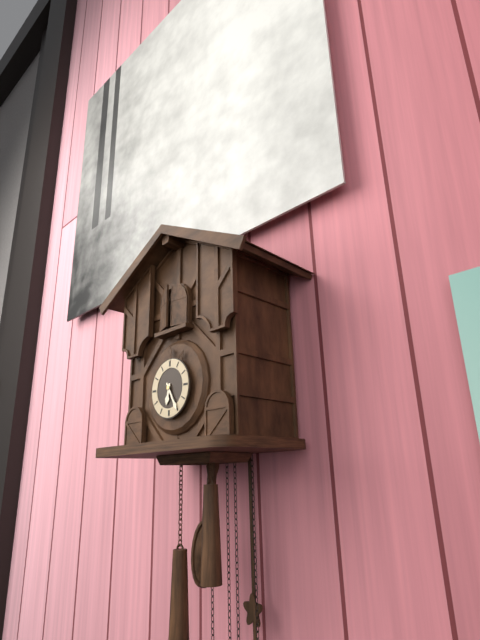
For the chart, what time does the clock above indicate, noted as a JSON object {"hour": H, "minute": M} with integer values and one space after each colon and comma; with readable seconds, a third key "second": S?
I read {"hour": 6, "minute": 25}
